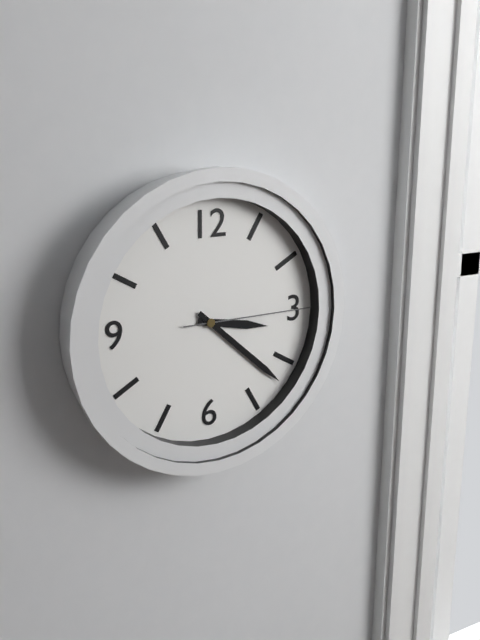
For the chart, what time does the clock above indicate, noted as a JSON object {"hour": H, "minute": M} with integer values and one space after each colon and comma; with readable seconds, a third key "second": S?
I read {"hour": 3, "minute": 22, "second": 15}
